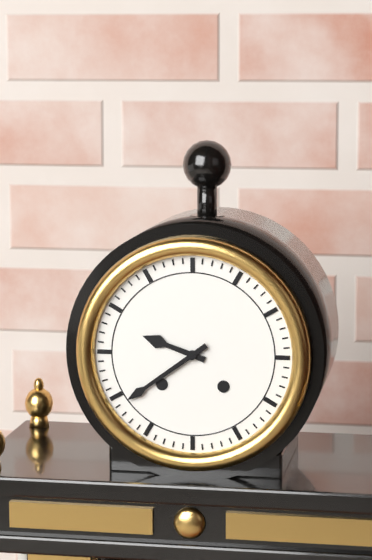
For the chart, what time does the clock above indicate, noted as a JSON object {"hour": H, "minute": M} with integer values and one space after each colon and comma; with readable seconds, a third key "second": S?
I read {"hour": 9, "minute": 39}
